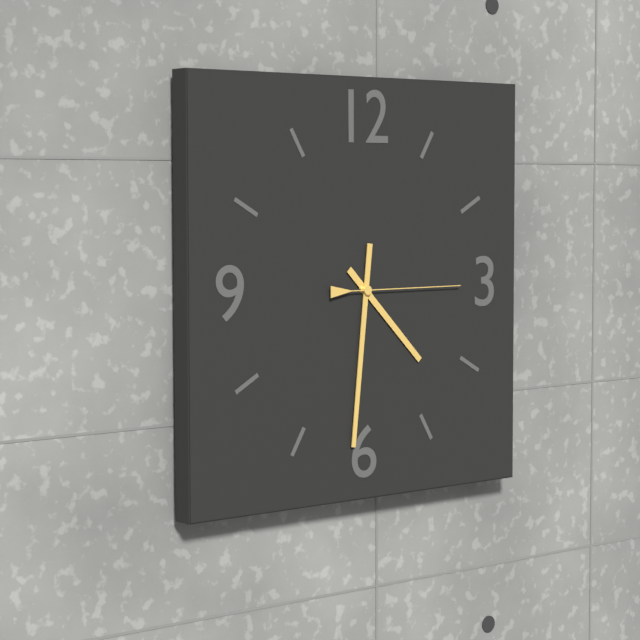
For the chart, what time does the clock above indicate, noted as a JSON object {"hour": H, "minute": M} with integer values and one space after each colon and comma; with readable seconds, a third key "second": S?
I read {"hour": 4, "minute": 31, "second": 15}
